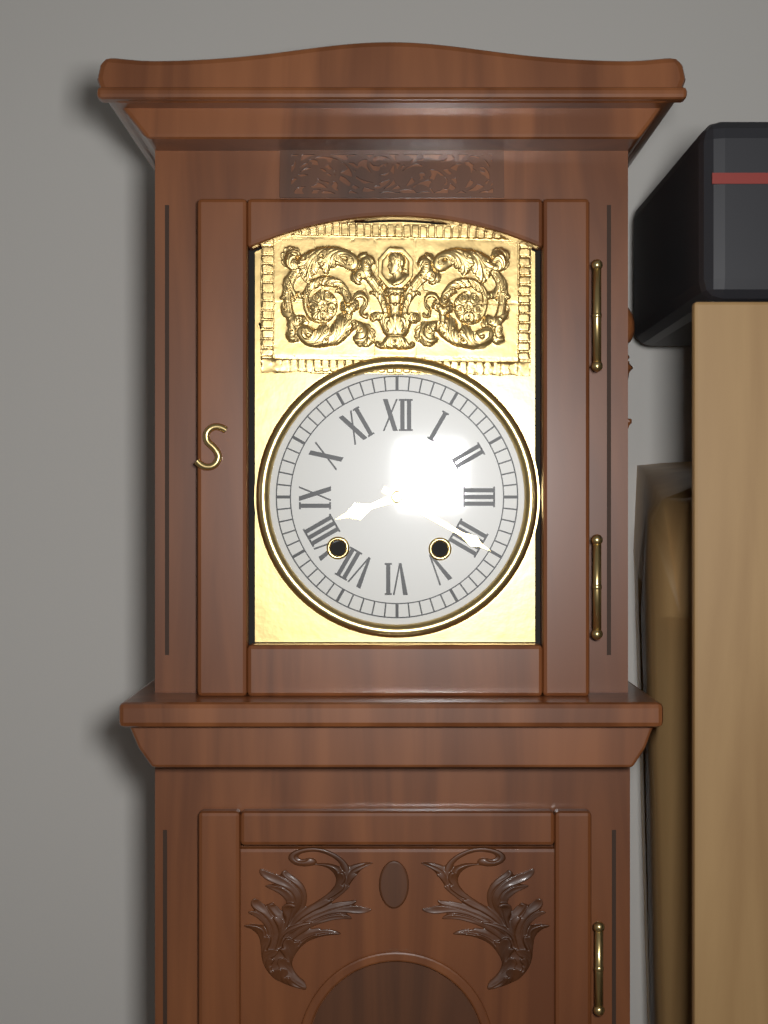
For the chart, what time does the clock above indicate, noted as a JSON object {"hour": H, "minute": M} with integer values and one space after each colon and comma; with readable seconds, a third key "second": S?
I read {"hour": 8, "minute": 20}
